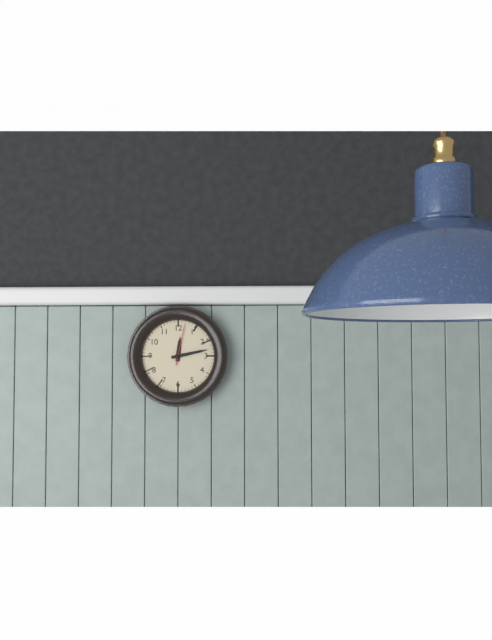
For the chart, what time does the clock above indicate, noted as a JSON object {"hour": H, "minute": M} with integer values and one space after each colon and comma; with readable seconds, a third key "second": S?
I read {"hour": 12, "minute": 13}
